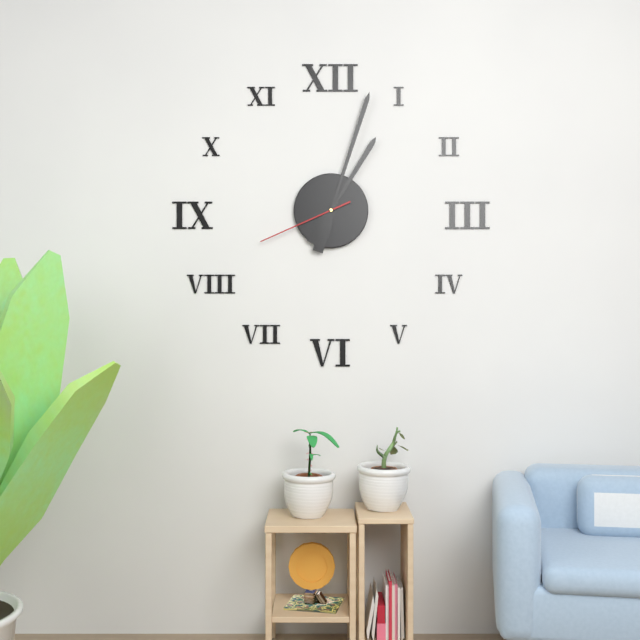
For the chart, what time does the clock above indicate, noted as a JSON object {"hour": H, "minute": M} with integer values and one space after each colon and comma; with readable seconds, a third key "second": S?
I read {"hour": 1, "minute": 3, "second": 41}
